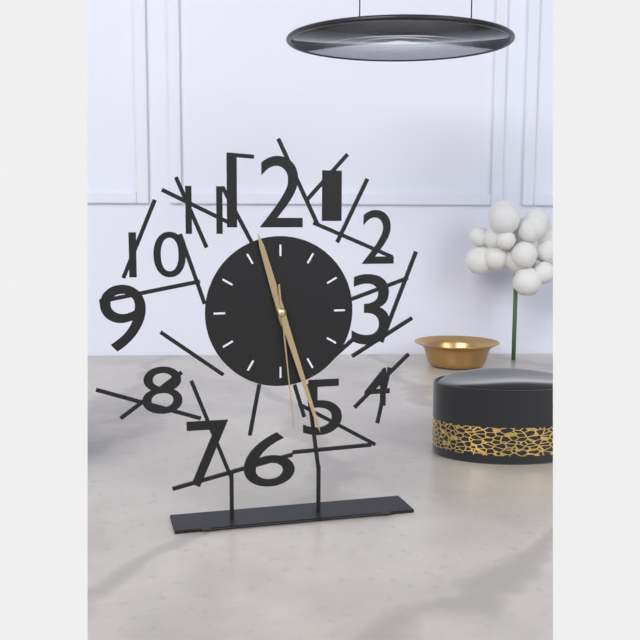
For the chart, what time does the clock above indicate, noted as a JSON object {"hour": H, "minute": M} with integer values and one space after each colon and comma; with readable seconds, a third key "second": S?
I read {"hour": 11, "minute": 27, "second": 29}
